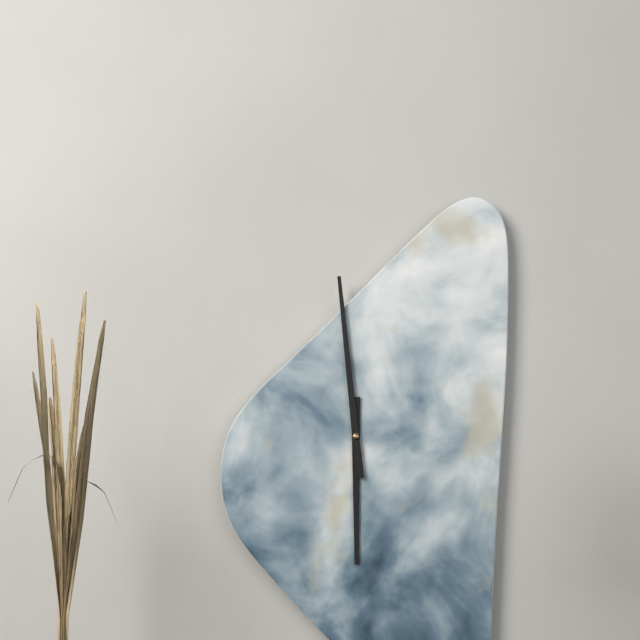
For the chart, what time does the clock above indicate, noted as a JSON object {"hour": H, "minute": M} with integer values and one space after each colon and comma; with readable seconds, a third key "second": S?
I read {"hour": 5, "minute": 59}
